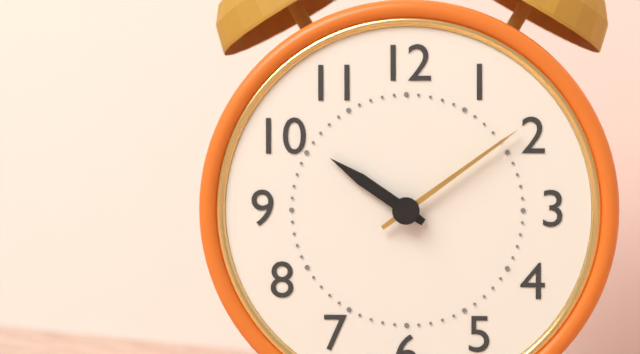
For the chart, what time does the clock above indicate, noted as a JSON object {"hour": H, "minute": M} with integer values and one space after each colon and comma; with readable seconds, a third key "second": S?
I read {"hour": 10, "minute": 9}
